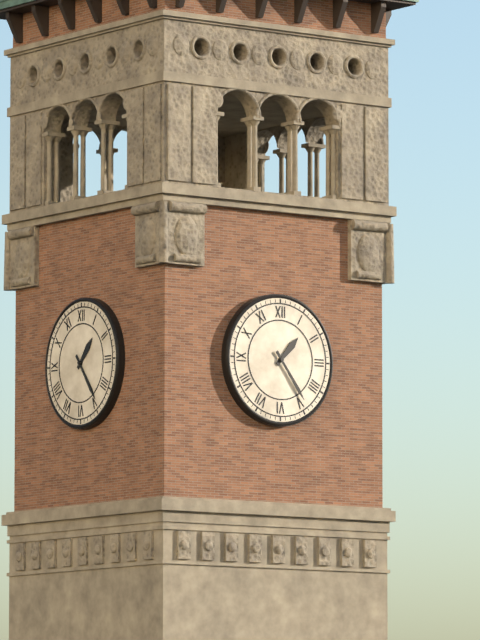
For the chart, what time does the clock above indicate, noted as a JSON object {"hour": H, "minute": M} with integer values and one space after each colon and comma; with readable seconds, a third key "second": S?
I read {"hour": 1, "minute": 24}
